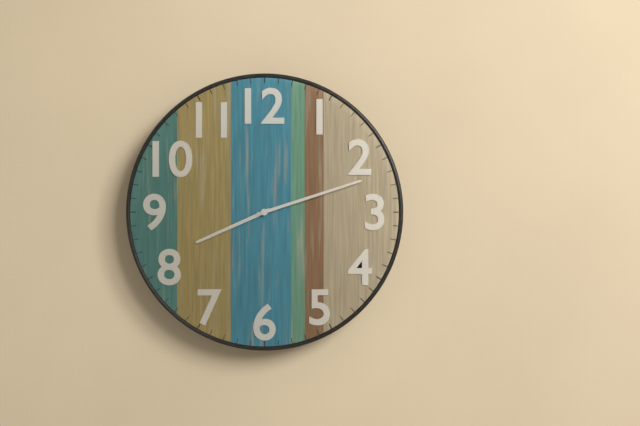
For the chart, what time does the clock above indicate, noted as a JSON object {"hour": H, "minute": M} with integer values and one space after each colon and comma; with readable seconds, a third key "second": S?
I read {"hour": 8, "minute": 12}
